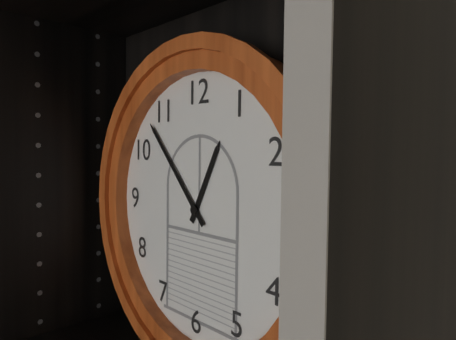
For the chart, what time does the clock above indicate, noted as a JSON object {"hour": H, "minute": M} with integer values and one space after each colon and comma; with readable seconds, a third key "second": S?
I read {"hour": 12, "minute": 53}
